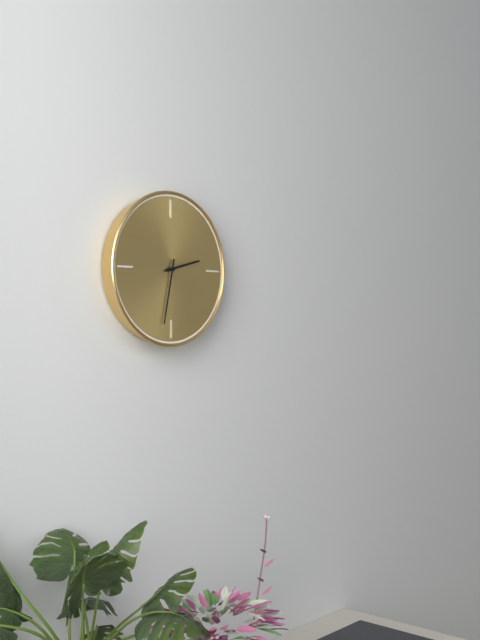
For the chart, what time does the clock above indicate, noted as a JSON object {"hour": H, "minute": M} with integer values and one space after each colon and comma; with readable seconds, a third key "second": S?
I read {"hour": 2, "minute": 32}
